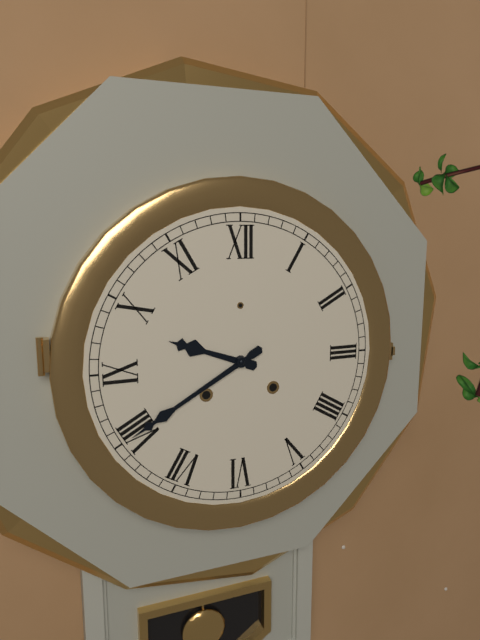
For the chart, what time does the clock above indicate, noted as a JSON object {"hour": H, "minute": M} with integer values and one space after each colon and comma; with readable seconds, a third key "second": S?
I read {"hour": 9, "minute": 40}
